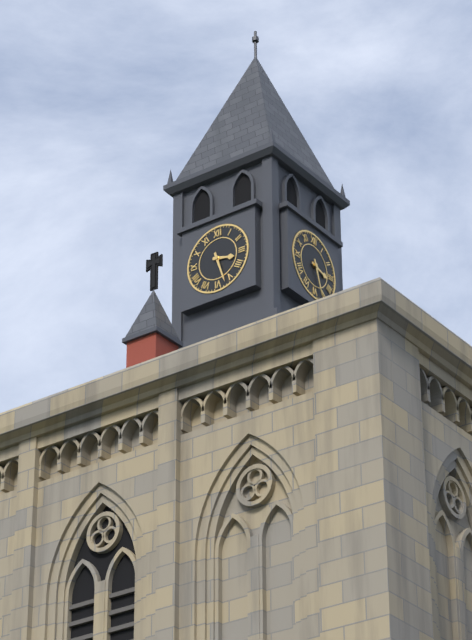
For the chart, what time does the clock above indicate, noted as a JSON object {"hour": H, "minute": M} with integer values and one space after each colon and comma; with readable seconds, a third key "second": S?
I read {"hour": 3, "minute": 27}
